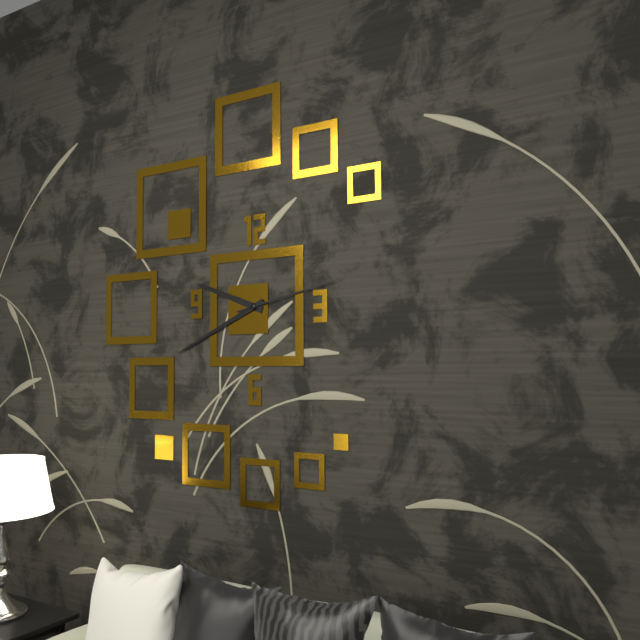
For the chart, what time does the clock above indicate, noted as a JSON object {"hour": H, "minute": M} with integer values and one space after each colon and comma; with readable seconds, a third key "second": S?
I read {"hour": 9, "minute": 41, "second": 13}
